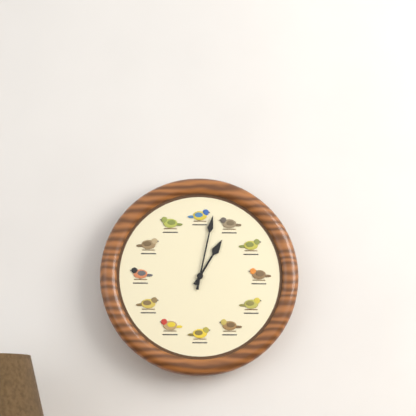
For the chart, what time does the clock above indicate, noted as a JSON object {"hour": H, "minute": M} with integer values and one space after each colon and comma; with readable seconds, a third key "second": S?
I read {"hour": 1, "minute": 2}
